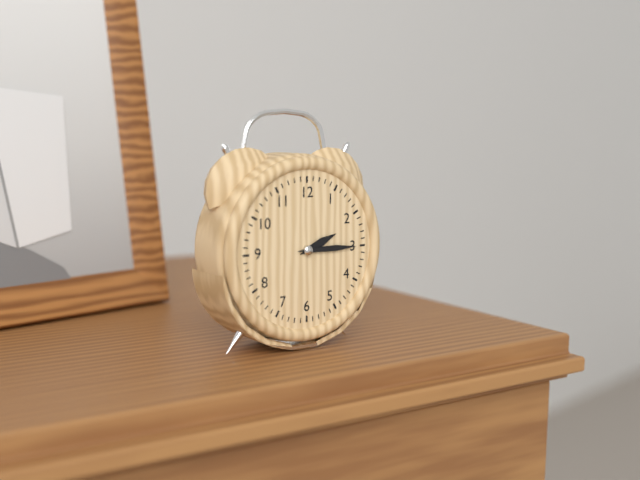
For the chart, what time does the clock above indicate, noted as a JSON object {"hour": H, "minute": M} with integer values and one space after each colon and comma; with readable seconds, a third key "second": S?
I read {"hour": 2, "minute": 15}
